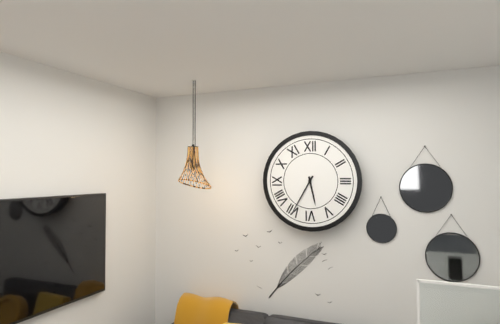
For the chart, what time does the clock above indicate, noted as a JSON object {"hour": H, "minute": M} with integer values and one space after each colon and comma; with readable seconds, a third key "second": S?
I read {"hour": 5, "minute": 35}
